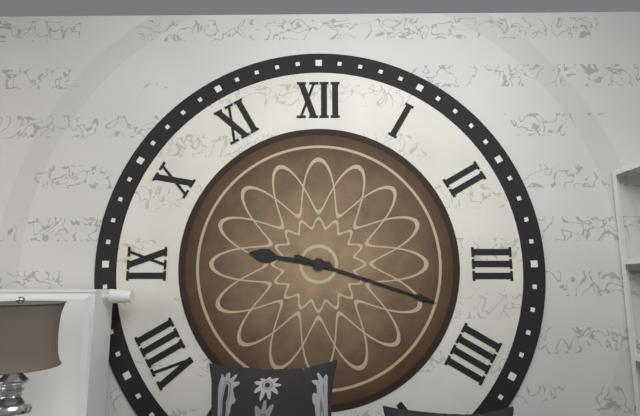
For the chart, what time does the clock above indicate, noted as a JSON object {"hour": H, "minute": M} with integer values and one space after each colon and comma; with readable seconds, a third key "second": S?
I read {"hour": 9, "minute": 18}
